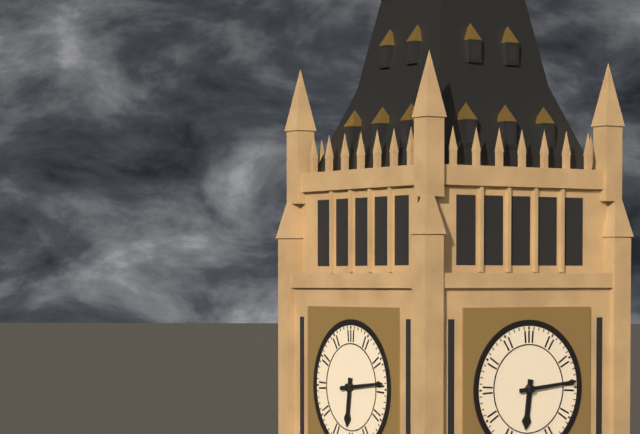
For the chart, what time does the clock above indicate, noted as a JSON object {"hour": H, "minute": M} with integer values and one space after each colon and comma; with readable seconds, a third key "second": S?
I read {"hour": 6, "minute": 14}
